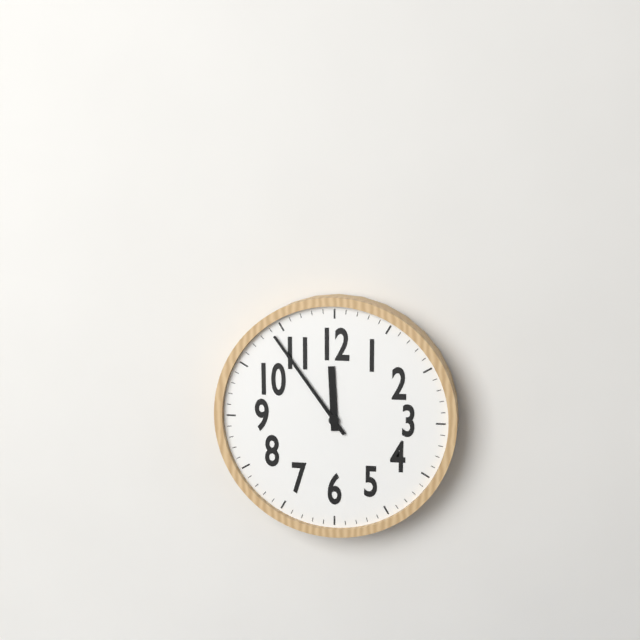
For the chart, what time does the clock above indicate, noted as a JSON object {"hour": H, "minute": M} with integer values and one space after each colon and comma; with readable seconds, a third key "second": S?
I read {"hour": 11, "minute": 54}
